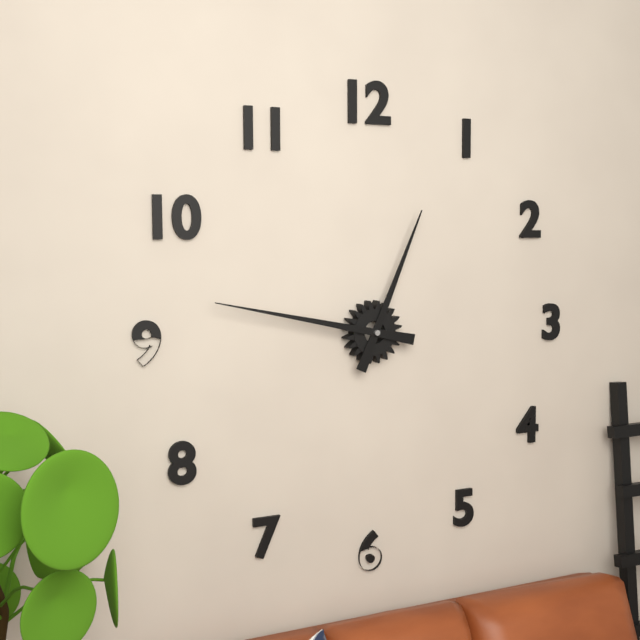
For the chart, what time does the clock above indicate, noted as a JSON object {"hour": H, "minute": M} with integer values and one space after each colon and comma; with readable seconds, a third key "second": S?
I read {"hour": 12, "minute": 47}
